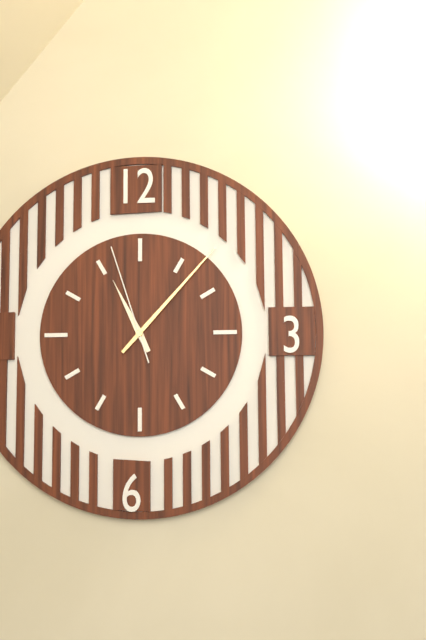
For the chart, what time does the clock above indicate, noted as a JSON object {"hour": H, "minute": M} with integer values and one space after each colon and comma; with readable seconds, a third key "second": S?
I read {"hour": 11, "minute": 7, "second": 57}
